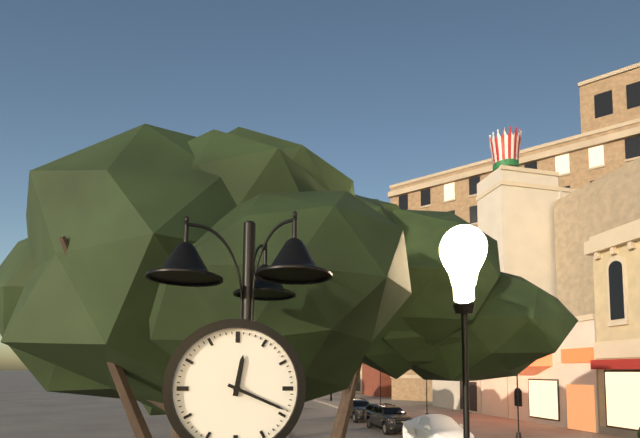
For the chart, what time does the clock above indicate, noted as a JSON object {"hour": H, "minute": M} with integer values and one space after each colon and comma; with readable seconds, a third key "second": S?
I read {"hour": 12, "minute": 19}
